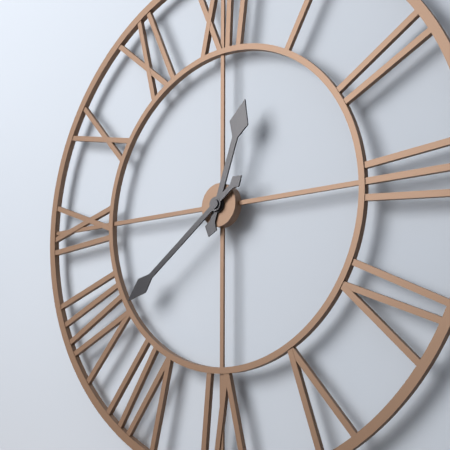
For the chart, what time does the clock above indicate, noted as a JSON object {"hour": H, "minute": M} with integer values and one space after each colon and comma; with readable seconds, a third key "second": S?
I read {"hour": 12, "minute": 39}
